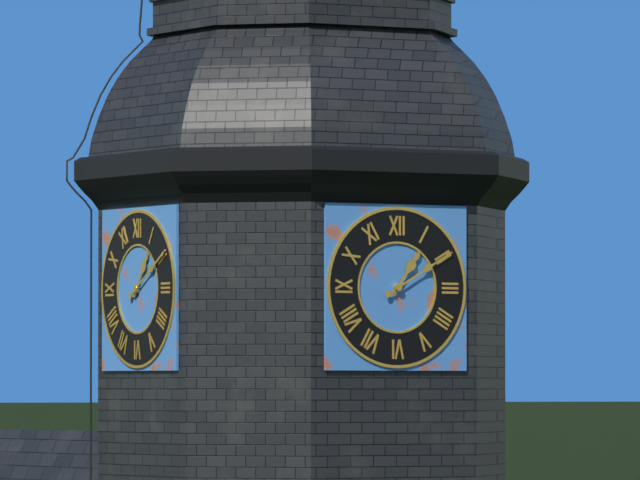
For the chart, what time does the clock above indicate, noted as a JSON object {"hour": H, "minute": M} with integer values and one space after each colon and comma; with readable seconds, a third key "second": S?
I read {"hour": 1, "minute": 10}
